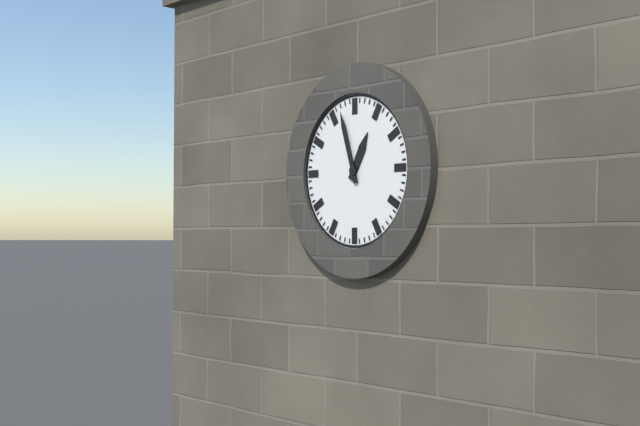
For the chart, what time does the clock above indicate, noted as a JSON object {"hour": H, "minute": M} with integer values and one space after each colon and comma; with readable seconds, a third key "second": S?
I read {"hour": 12, "minute": 57}
